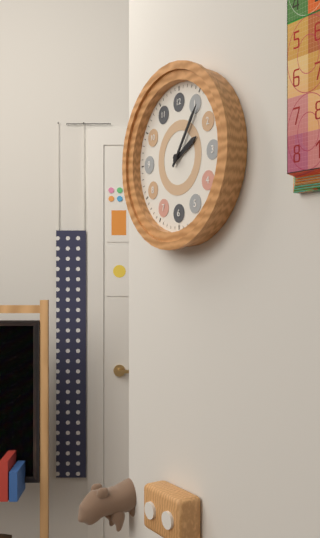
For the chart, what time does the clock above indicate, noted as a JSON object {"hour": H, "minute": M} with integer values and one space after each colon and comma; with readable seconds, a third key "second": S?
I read {"hour": 2, "minute": 6}
